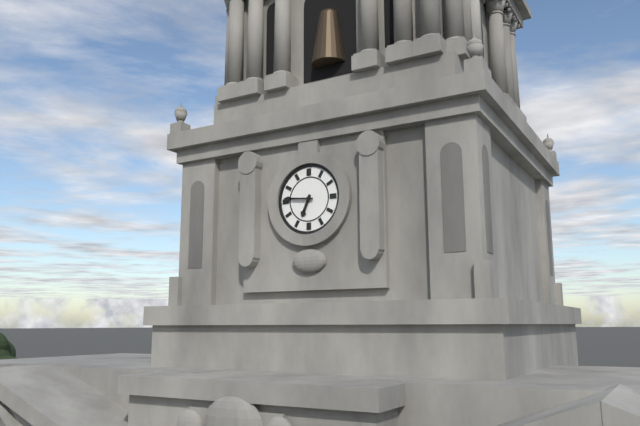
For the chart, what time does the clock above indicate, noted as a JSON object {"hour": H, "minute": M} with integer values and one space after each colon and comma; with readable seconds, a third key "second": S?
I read {"hour": 6, "minute": 46}
